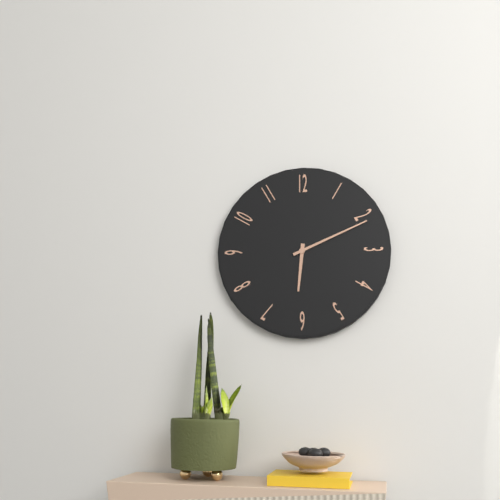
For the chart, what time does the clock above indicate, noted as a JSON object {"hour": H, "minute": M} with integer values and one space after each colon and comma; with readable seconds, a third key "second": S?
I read {"hour": 6, "minute": 11}
